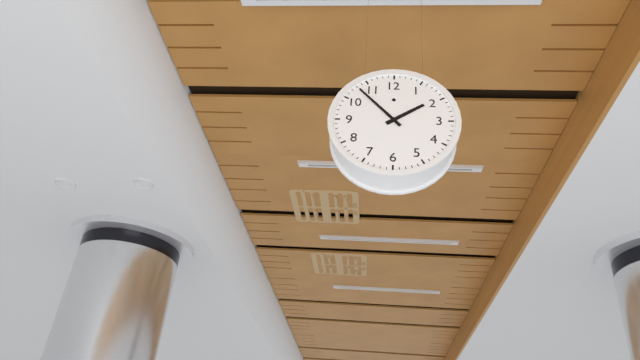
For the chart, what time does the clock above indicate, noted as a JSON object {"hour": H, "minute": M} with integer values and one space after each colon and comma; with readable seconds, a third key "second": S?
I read {"hour": 1, "minute": 53}
